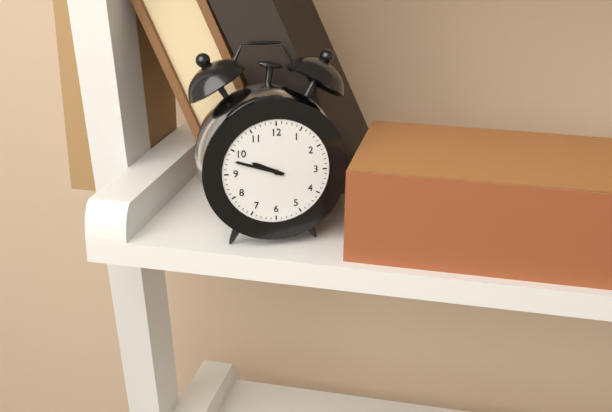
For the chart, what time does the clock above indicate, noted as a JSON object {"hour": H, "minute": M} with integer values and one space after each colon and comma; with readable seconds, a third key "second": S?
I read {"hour": 9, "minute": 48}
